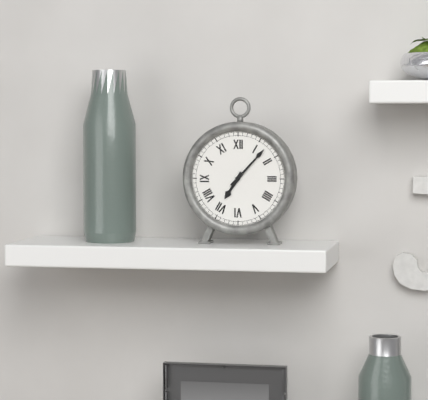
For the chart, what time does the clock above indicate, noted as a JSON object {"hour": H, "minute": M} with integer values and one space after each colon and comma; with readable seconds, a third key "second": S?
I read {"hour": 7, "minute": 7}
